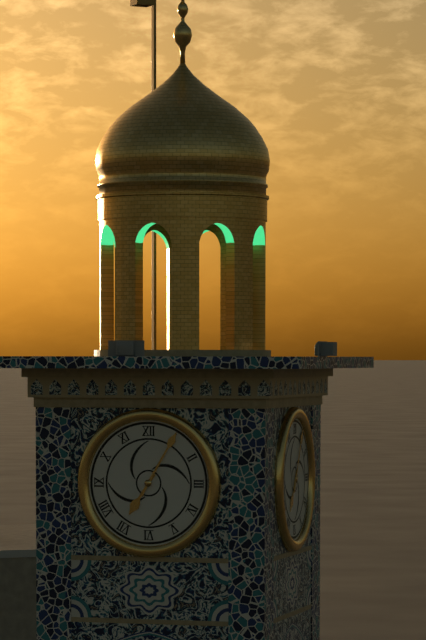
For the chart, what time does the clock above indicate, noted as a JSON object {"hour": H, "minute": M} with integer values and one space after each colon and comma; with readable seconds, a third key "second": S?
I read {"hour": 7, "minute": 5}
